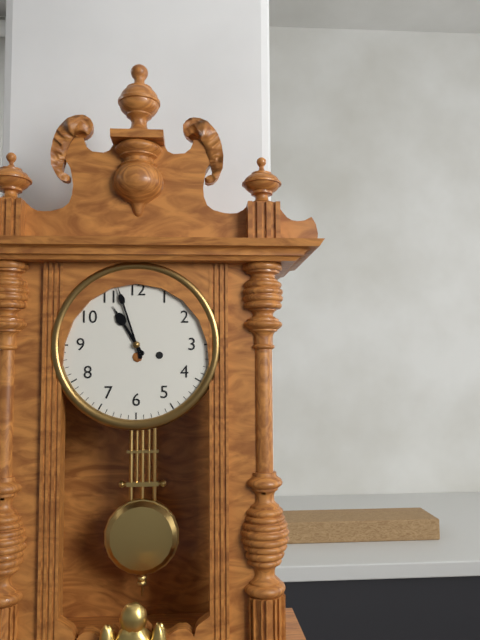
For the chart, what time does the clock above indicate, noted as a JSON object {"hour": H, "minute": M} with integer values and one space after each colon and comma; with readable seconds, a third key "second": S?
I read {"hour": 10, "minute": 57}
